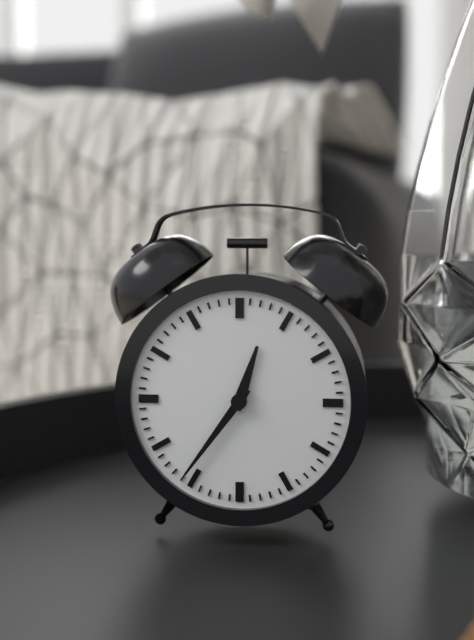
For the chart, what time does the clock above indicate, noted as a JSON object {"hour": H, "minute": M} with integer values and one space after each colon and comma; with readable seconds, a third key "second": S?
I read {"hour": 12, "minute": 36}
